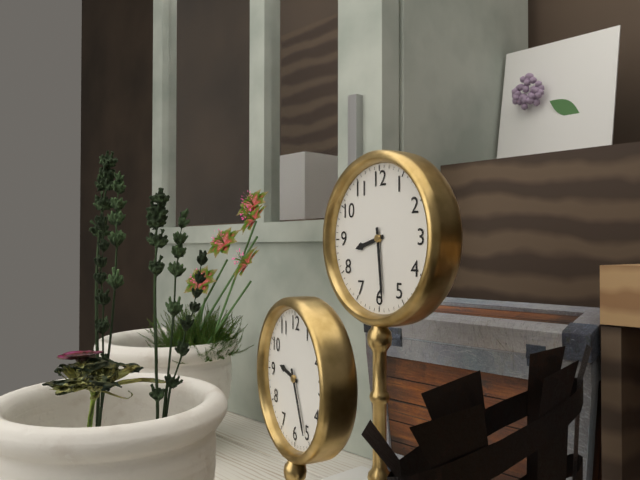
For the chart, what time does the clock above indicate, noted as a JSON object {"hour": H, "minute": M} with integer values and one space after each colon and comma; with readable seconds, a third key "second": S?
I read {"hour": 8, "minute": 29}
